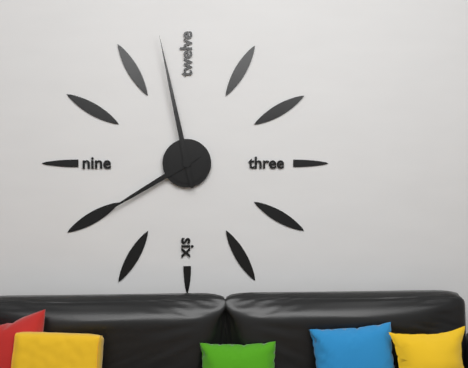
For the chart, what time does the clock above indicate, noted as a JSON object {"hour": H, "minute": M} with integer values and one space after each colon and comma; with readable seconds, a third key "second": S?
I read {"hour": 7, "minute": 58}
